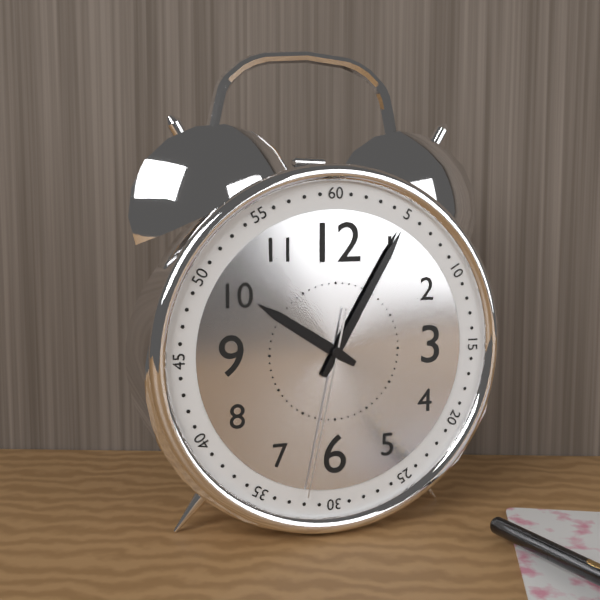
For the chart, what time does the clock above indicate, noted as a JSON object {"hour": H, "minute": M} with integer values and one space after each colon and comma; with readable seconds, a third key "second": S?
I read {"hour": 10, "minute": 5, "second": 32}
